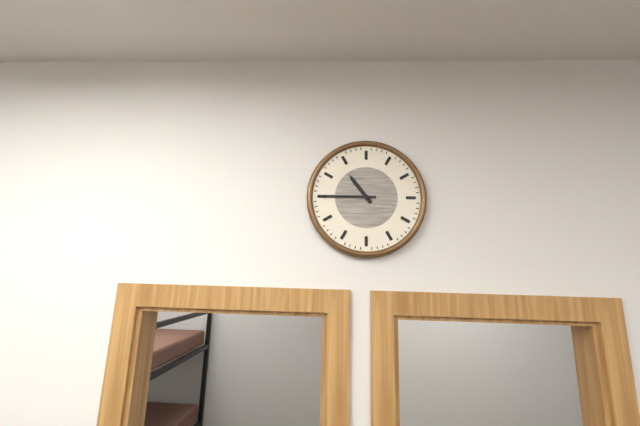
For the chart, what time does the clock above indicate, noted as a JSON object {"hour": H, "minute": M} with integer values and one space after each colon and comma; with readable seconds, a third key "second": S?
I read {"hour": 10, "minute": 45}
